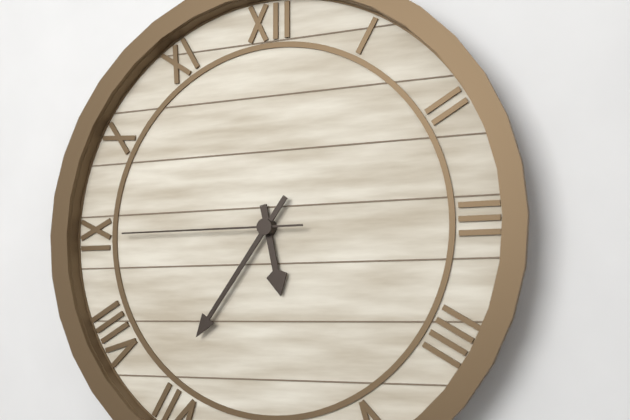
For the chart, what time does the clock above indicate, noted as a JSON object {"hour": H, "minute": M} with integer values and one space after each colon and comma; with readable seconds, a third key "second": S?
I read {"hour": 5, "minute": 36, "second": 45}
